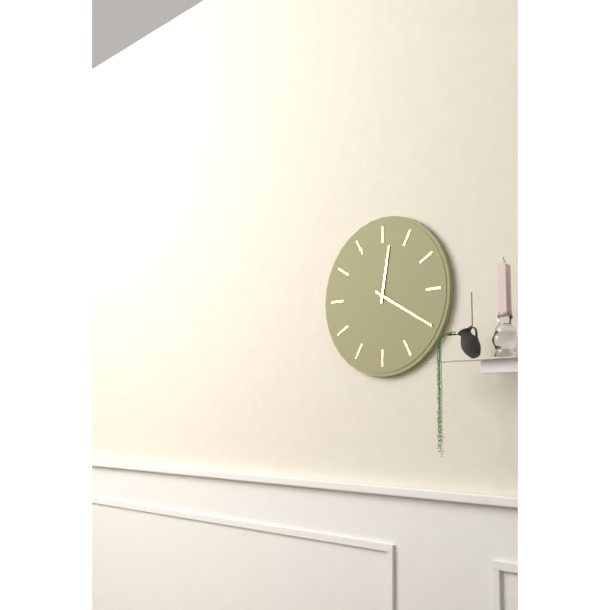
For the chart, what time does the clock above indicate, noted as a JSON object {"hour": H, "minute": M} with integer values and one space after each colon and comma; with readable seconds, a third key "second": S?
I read {"hour": 12, "minute": 20}
